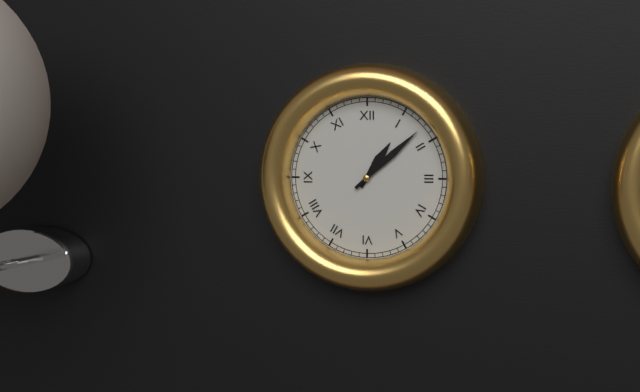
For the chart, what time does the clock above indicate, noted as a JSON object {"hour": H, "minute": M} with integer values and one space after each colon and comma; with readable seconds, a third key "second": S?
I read {"hour": 1, "minute": 8}
